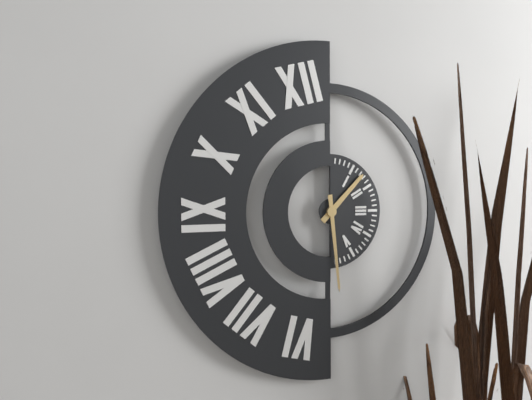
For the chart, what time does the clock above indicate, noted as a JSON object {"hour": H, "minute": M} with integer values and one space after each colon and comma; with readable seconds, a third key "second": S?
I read {"hour": 1, "minute": 29}
